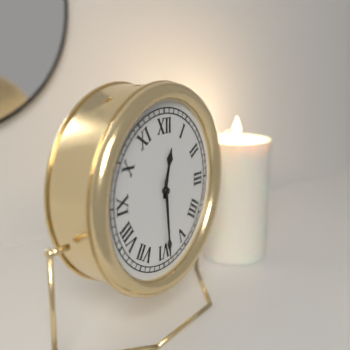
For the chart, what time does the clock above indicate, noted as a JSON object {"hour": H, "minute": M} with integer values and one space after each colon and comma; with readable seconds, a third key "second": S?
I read {"hour": 12, "minute": 29}
